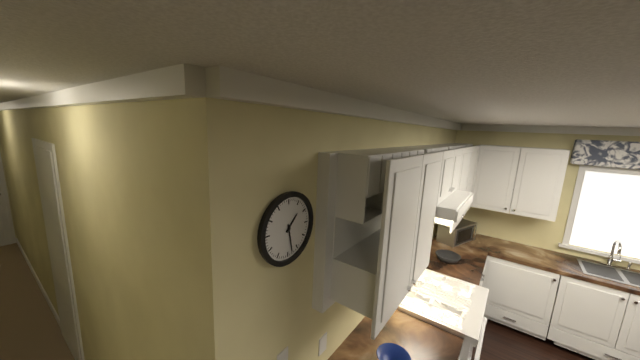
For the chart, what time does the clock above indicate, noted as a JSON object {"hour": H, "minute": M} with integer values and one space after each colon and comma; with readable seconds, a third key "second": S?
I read {"hour": 1, "minute": 28}
